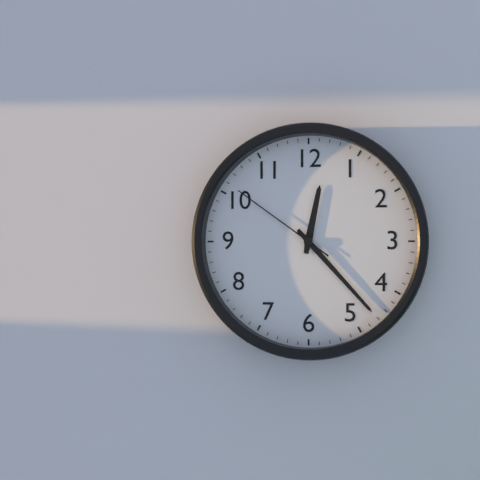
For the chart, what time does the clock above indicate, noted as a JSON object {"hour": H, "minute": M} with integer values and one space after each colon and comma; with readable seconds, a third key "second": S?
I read {"hour": 12, "minute": 23, "second": 51}
